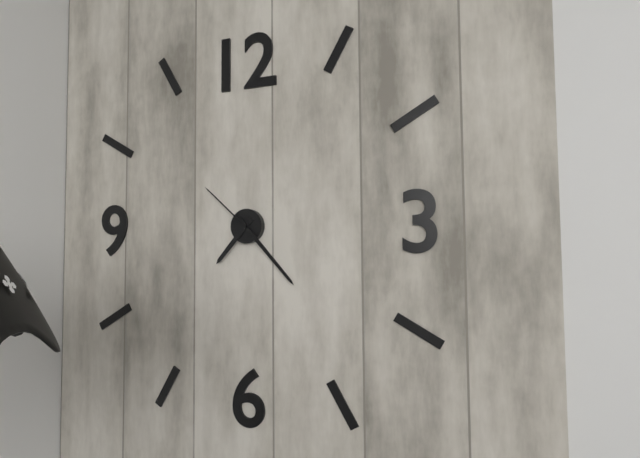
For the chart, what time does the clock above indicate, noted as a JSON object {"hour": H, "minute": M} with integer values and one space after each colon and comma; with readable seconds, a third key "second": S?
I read {"hour": 7, "minute": 23, "second": 52}
